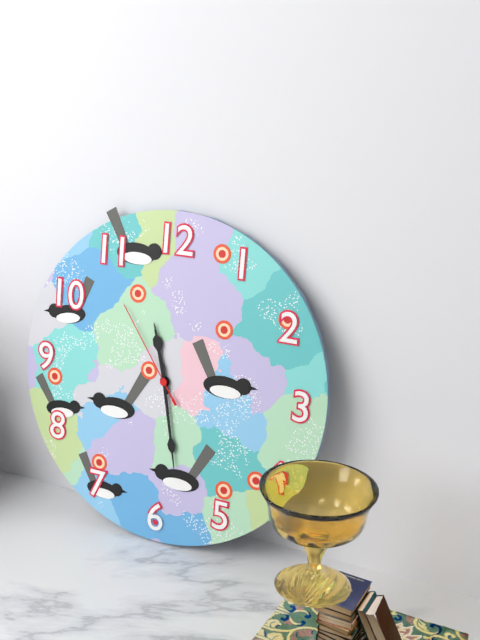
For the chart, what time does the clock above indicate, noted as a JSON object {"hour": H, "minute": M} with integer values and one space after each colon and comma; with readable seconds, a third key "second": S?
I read {"hour": 11, "minute": 28, "second": 54}
